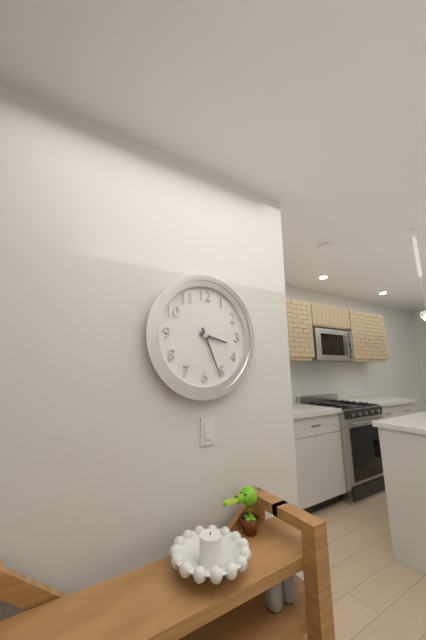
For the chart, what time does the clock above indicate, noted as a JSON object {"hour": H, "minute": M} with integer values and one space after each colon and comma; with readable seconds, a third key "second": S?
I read {"hour": 3, "minute": 26}
